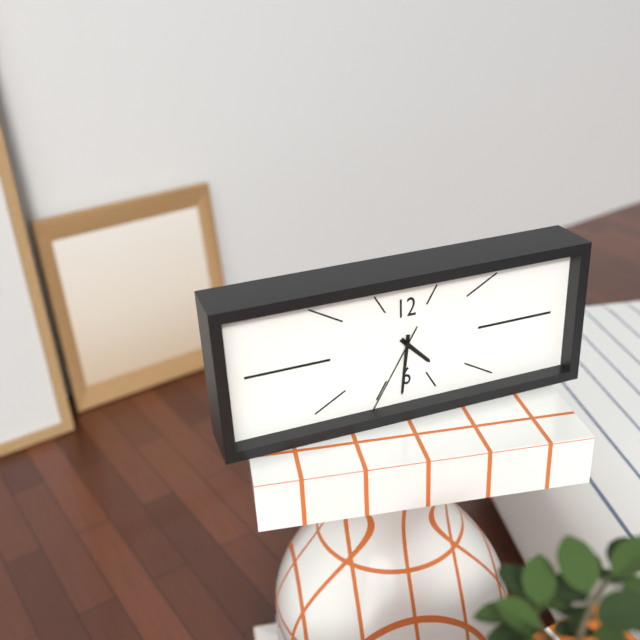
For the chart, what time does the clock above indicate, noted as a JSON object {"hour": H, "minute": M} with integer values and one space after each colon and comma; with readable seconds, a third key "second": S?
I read {"hour": 4, "minute": 31, "second": 35}
